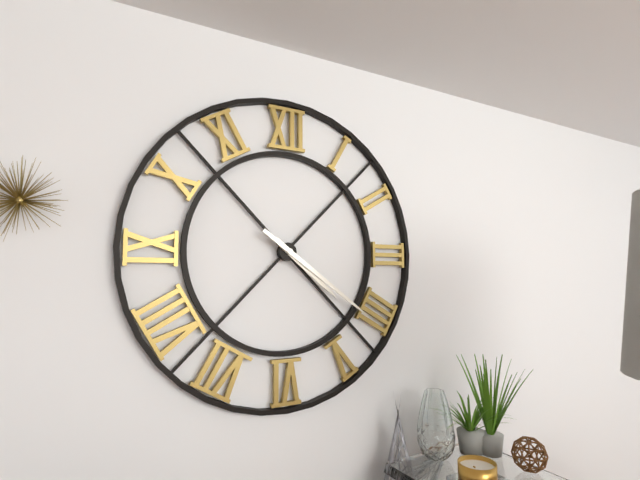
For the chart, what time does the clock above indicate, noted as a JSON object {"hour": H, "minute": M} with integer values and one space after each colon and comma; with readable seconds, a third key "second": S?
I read {"hour": 4, "minute": 21}
